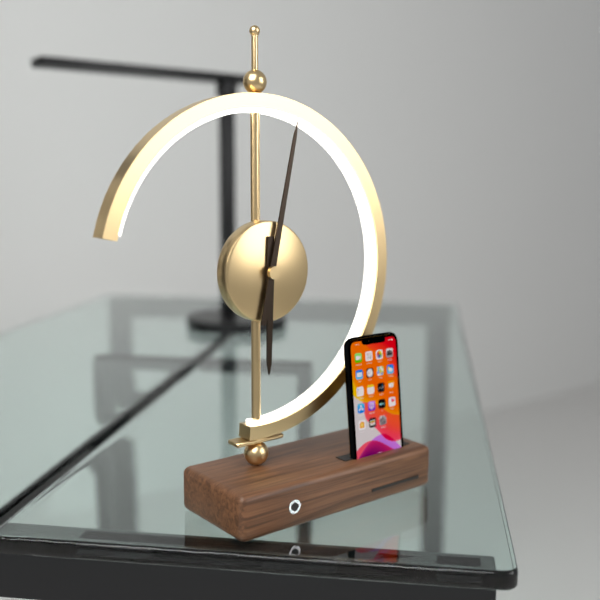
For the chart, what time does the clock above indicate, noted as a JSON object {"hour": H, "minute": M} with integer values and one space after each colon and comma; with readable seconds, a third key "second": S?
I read {"hour": 6, "minute": 2}
